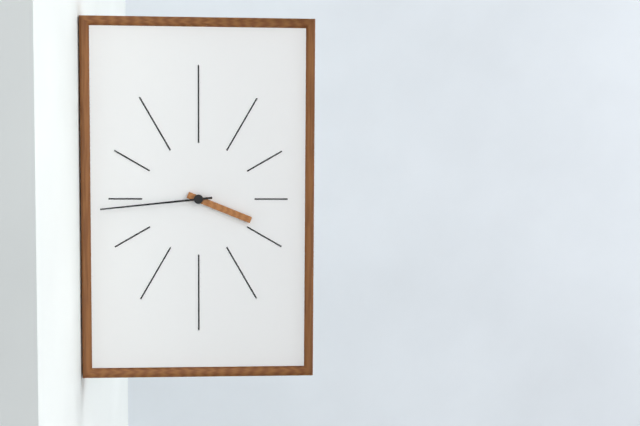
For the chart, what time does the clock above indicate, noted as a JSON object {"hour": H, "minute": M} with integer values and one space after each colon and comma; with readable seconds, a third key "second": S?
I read {"hour": 3, "minute": 44}
